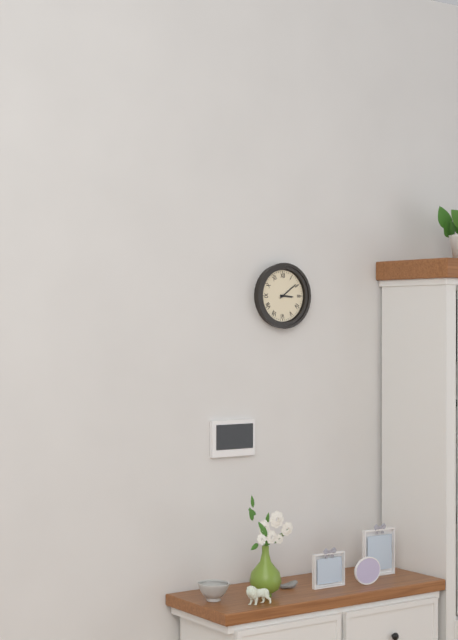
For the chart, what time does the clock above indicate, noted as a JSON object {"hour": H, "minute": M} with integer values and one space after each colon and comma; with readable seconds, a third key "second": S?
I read {"hour": 3, "minute": 9}
